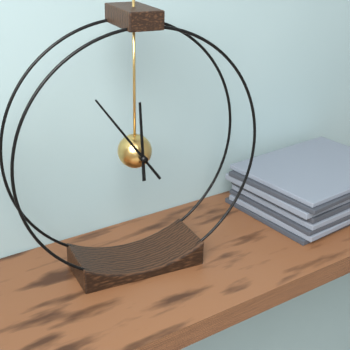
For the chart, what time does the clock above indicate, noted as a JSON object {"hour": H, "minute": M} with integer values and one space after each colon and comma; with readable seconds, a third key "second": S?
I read {"hour": 11, "minute": 54}
